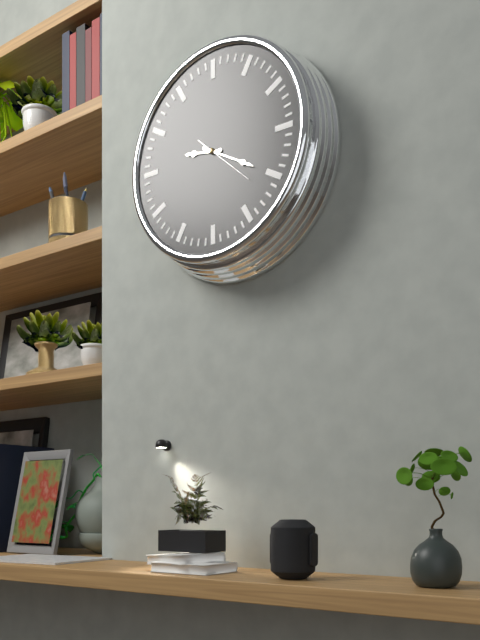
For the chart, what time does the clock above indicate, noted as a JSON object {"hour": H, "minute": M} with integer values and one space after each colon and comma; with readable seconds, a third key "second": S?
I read {"hour": 9, "minute": 20, "second": 22}
